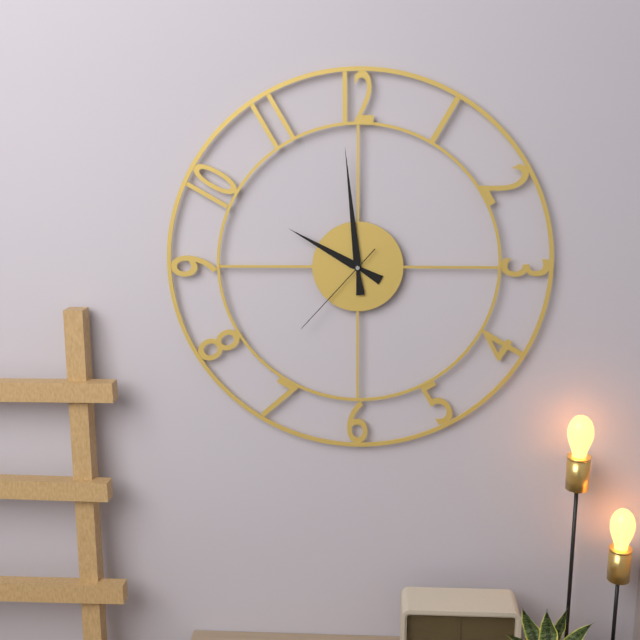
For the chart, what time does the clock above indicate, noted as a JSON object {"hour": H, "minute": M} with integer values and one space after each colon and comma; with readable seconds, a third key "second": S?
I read {"hour": 9, "minute": 59, "second": 37}
